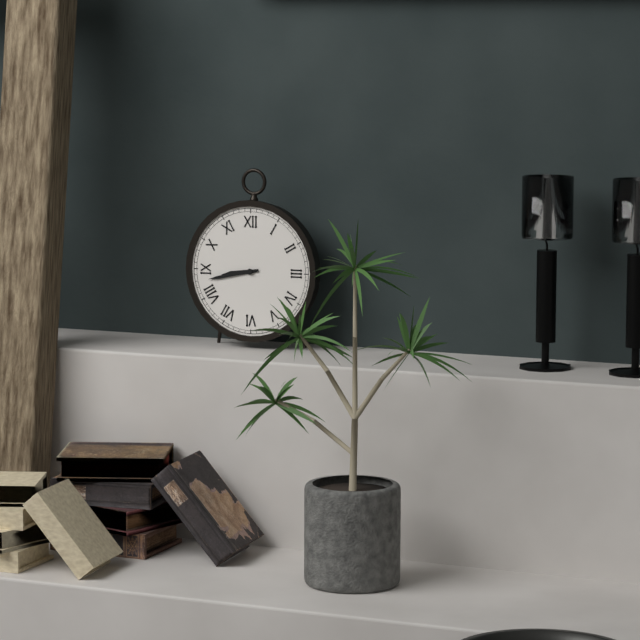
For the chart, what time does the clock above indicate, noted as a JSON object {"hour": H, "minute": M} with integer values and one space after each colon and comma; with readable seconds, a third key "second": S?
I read {"hour": 8, "minute": 43}
